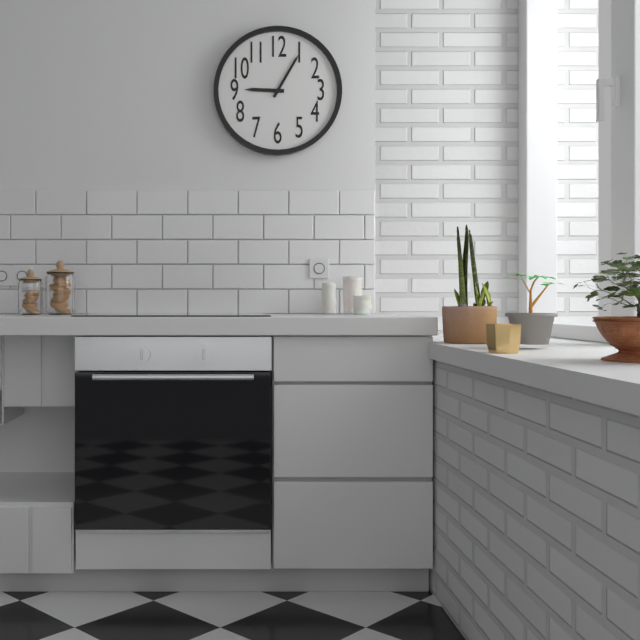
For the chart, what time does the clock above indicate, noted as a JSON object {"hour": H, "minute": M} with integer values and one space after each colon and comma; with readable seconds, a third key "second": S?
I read {"hour": 9, "minute": 5}
